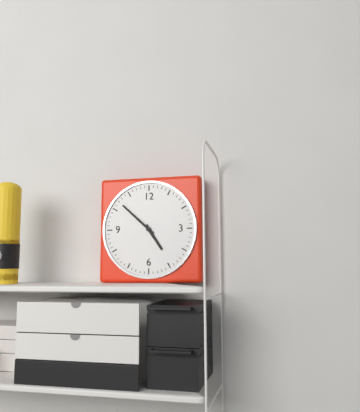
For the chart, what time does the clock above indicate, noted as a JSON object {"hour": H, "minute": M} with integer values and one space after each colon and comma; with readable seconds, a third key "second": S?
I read {"hour": 4, "minute": 52}
